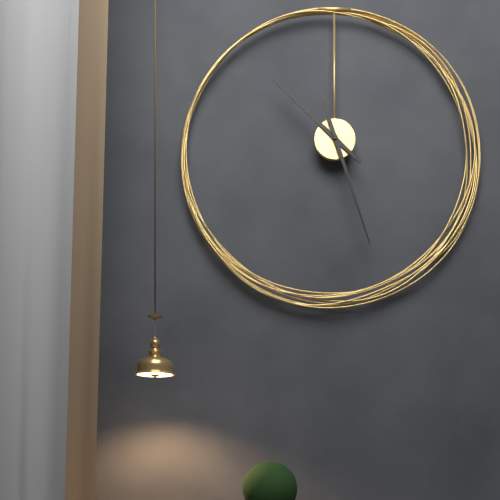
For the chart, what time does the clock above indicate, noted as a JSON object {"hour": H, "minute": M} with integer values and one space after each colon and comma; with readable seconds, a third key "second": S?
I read {"hour": 10, "minute": 27}
